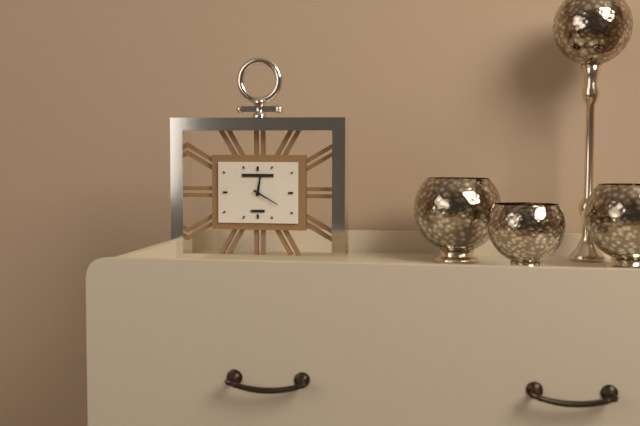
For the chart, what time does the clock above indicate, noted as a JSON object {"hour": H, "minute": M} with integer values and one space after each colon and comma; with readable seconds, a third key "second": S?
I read {"hour": 12, "minute": 20}
